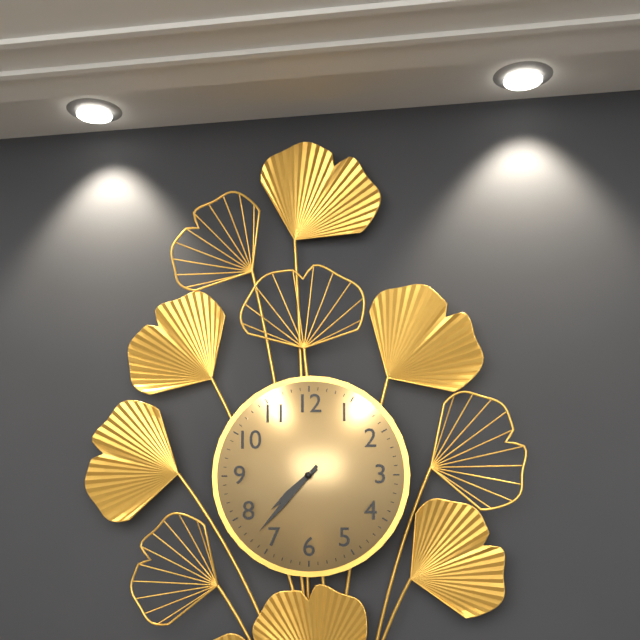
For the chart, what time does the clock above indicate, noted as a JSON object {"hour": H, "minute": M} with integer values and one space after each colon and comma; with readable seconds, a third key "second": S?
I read {"hour": 7, "minute": 37}
